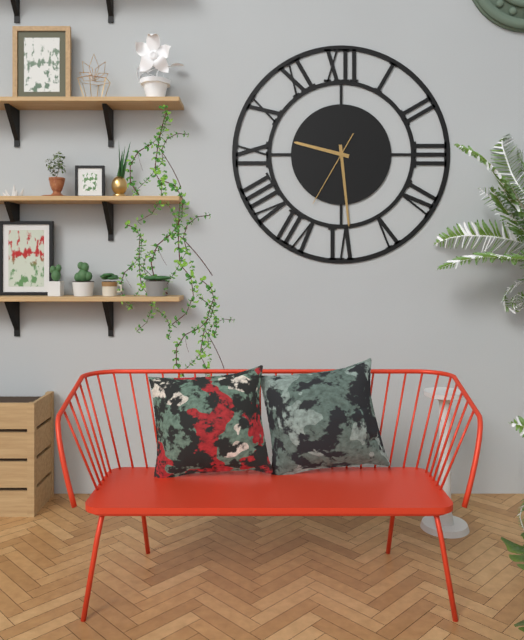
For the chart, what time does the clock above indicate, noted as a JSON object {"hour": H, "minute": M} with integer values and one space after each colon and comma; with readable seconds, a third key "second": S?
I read {"hour": 9, "minute": 29, "second": 35}
